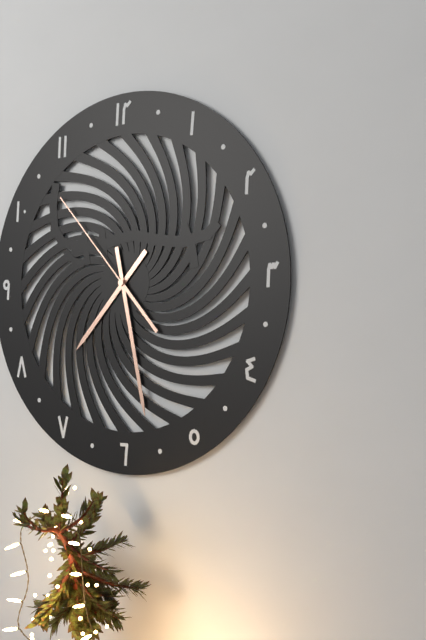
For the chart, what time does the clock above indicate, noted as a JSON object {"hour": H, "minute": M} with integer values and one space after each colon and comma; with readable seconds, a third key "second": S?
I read {"hour": 7, "minute": 28, "second": 53}
